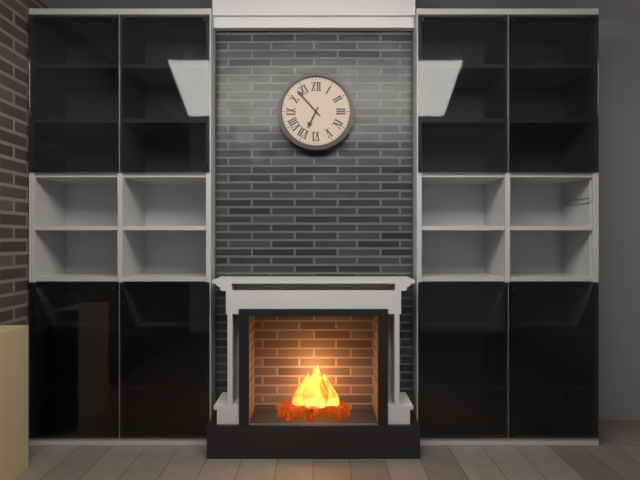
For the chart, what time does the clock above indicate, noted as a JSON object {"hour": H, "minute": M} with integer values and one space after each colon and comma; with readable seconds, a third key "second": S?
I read {"hour": 6, "minute": 53}
